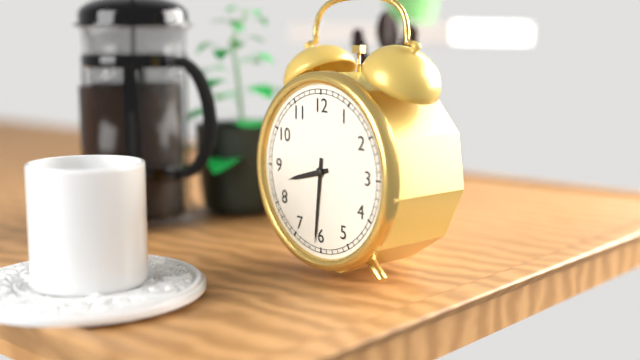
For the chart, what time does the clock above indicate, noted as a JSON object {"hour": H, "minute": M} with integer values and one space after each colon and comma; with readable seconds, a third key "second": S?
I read {"hour": 8, "minute": 31}
